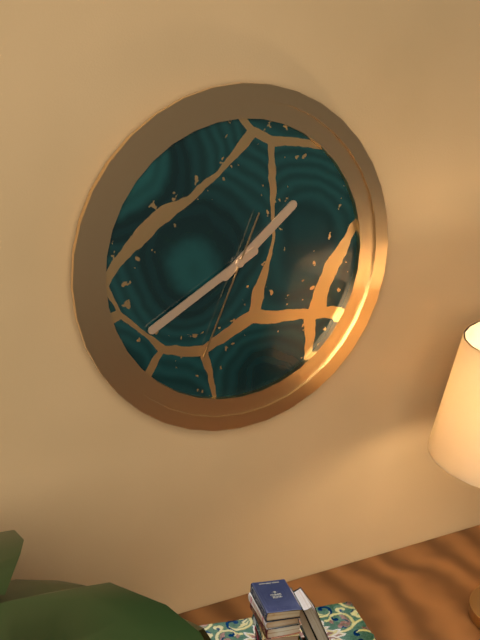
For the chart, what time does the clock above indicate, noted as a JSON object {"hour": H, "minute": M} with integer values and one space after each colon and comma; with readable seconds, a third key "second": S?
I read {"hour": 1, "minute": 40, "second": 34}
